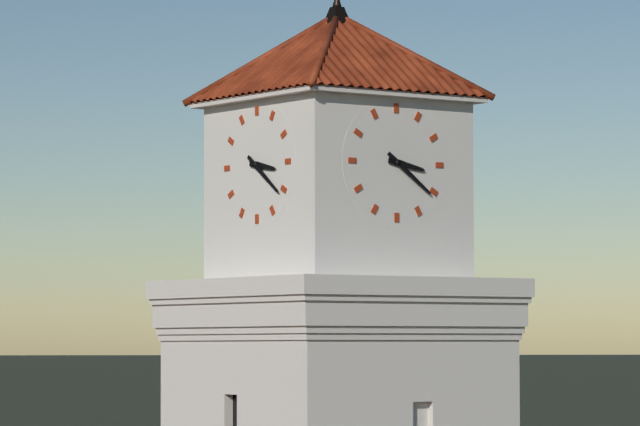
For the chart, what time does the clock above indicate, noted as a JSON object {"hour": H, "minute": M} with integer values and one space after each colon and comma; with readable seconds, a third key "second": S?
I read {"hour": 3, "minute": 21}
